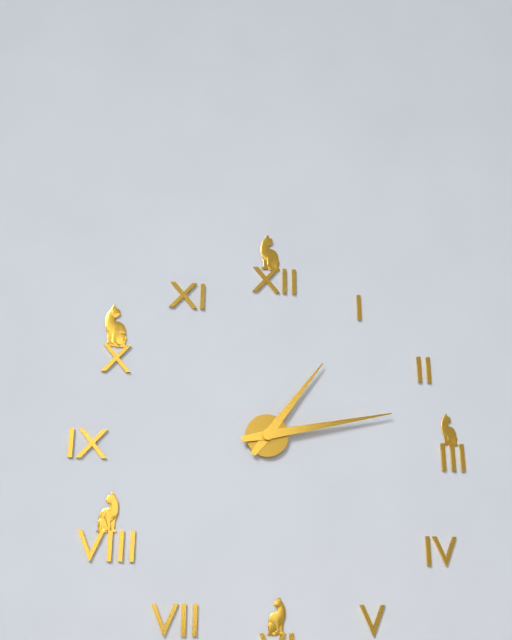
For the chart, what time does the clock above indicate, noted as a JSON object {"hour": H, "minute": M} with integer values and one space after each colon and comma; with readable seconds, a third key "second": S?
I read {"hour": 1, "minute": 13}
